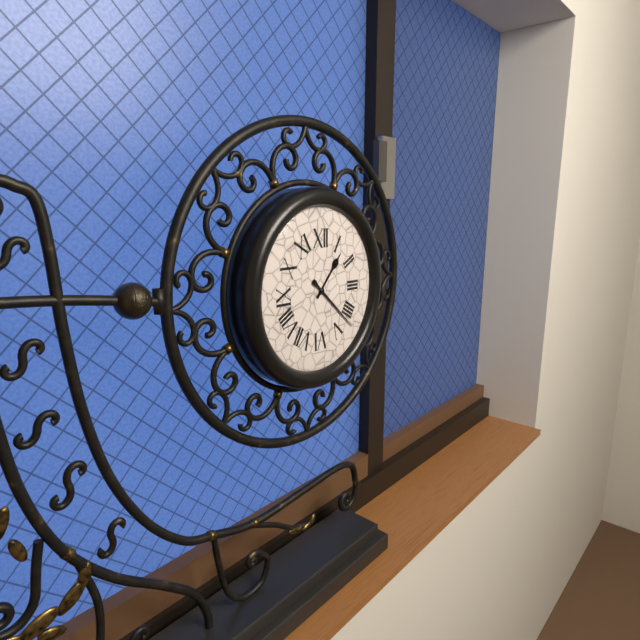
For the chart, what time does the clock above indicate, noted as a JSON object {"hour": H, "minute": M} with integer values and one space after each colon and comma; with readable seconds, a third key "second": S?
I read {"hour": 1, "minute": 22}
